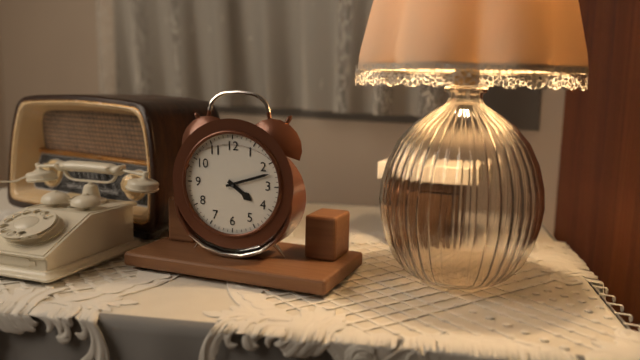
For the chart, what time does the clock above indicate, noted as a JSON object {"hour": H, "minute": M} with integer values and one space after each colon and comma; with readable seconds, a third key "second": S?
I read {"hour": 4, "minute": 12}
